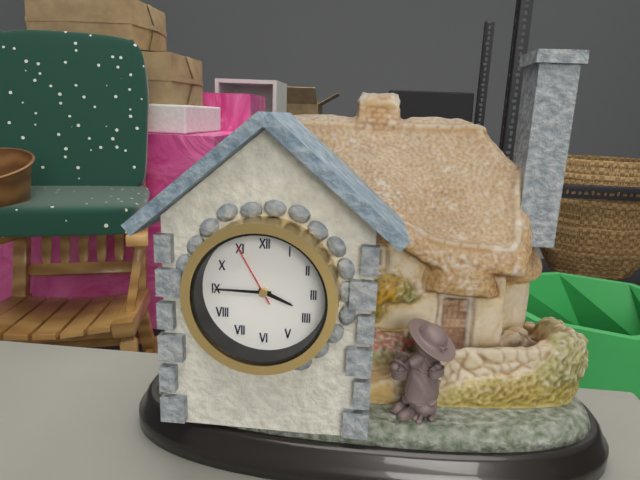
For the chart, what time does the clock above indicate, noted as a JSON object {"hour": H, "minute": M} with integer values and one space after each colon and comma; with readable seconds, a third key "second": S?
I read {"hour": 3, "minute": 45, "second": 55}
